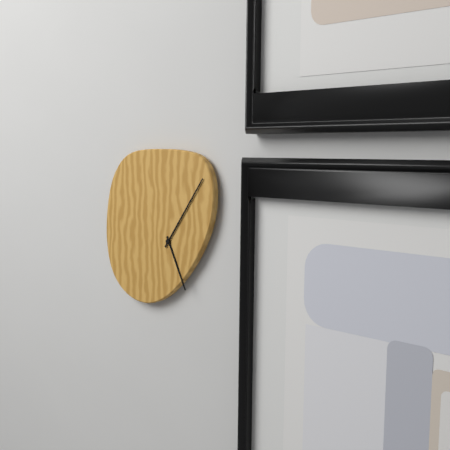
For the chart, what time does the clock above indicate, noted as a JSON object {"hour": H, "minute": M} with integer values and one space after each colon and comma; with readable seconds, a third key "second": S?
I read {"hour": 5, "minute": 6}
